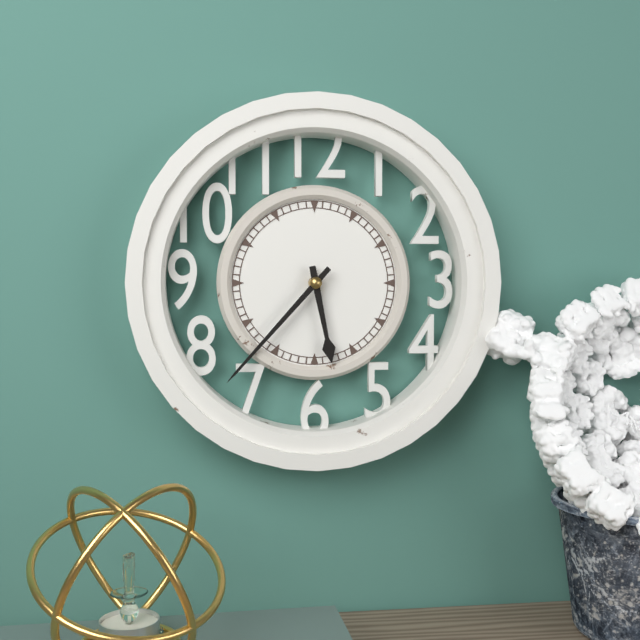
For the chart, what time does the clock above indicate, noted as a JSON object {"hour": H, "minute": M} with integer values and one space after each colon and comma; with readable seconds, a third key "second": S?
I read {"hour": 5, "minute": 37}
